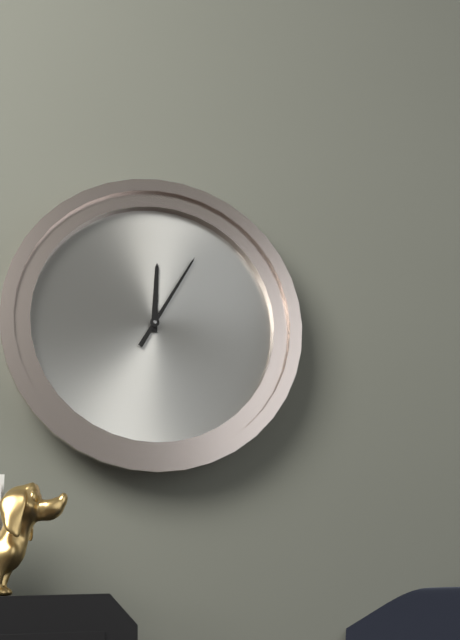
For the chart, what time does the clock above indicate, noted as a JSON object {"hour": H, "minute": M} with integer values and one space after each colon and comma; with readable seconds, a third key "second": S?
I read {"hour": 12, "minute": 5}
